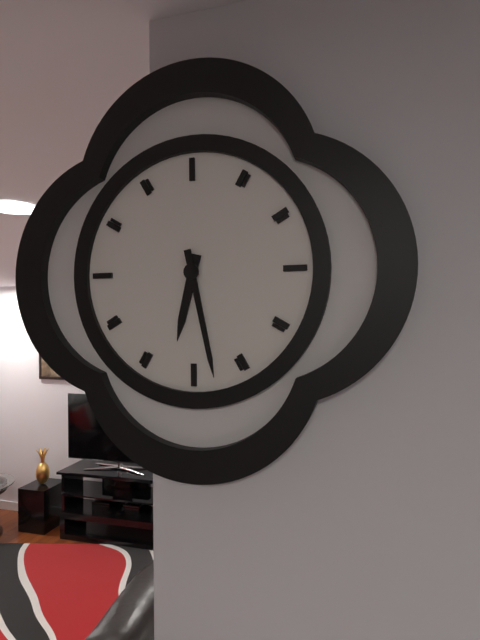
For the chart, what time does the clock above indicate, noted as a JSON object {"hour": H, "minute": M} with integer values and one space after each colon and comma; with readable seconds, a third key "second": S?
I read {"hour": 6, "minute": 28}
